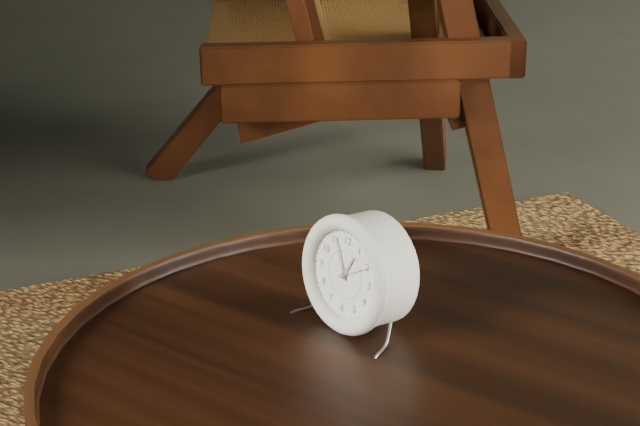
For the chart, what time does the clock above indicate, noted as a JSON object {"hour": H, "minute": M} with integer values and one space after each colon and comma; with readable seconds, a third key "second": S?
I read {"hour": 12, "minute": 56}
